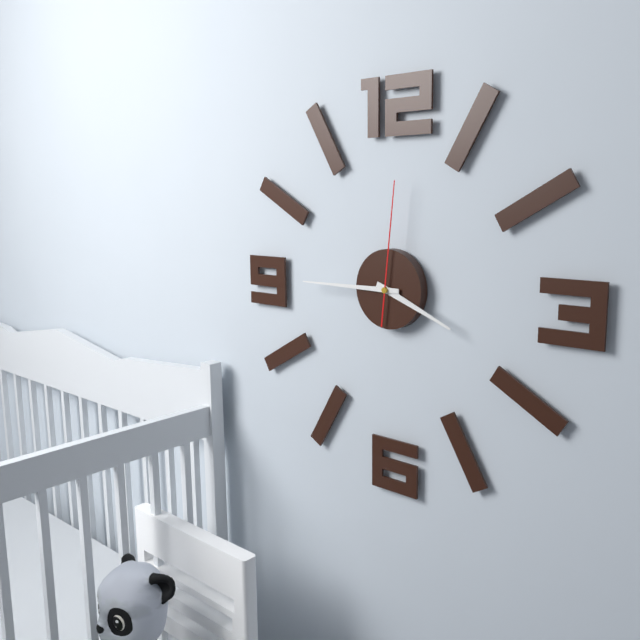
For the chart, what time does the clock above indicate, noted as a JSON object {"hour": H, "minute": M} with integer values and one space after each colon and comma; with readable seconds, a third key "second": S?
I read {"hour": 3, "minute": 45, "second": 1}
